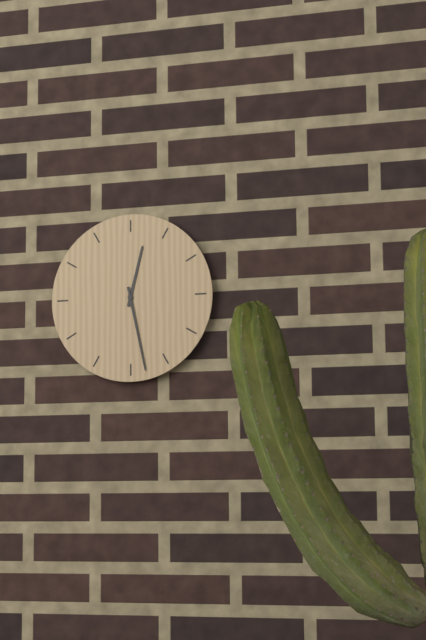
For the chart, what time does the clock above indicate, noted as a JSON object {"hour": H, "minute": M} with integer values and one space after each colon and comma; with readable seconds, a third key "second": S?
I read {"hour": 12, "minute": 28}
